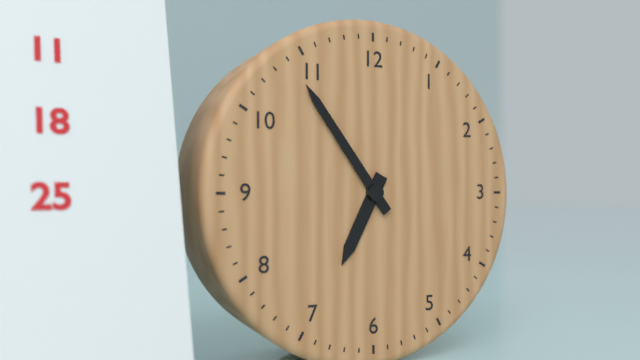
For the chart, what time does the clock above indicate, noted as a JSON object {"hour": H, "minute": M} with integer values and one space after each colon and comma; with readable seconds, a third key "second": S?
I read {"hour": 6, "minute": 54}
